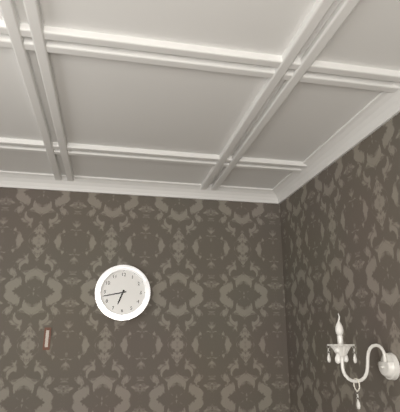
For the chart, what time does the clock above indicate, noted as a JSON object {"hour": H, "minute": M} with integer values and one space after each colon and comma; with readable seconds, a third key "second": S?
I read {"hour": 6, "minute": 43}
